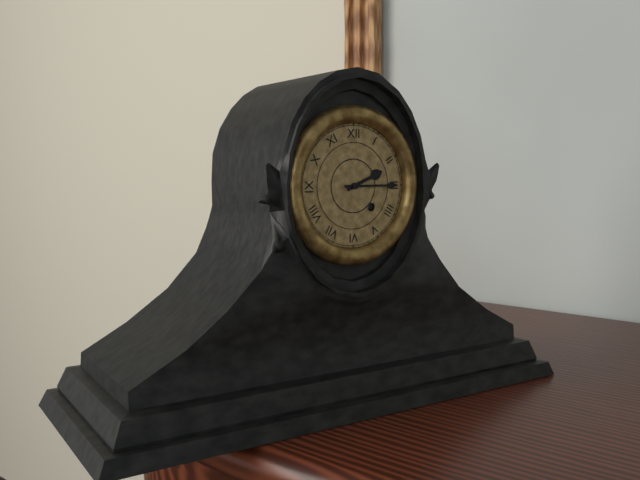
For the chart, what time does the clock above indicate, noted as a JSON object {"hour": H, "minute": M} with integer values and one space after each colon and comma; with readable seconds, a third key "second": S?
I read {"hour": 2, "minute": 15}
